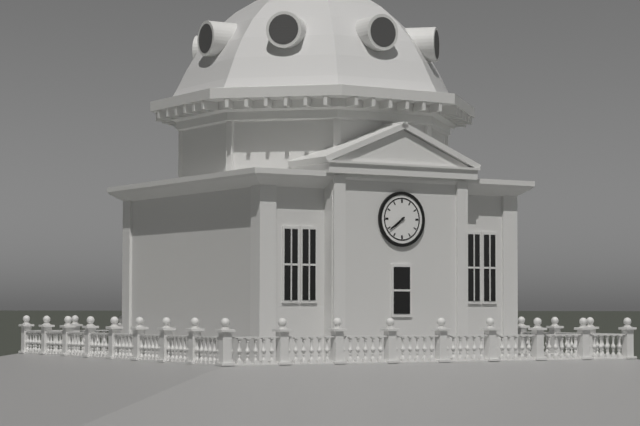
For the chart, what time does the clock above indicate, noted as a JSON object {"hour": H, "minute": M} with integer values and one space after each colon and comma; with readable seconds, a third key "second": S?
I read {"hour": 7, "minute": 39}
